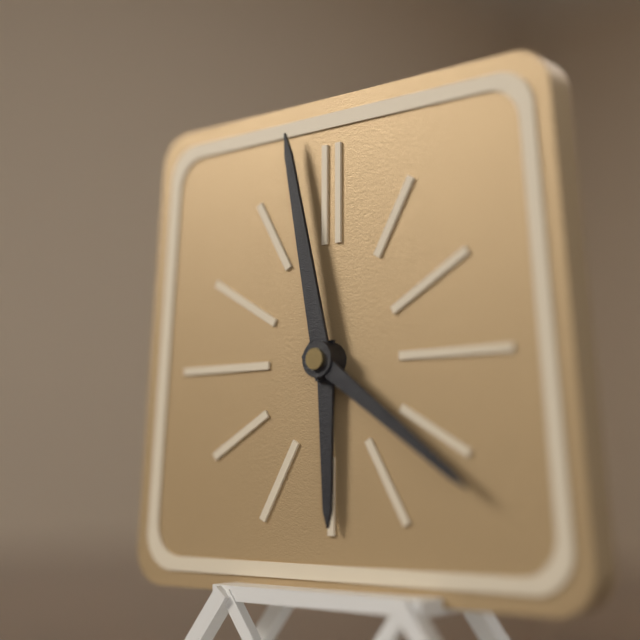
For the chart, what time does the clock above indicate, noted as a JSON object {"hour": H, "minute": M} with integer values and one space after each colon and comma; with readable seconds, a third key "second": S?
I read {"hour": 5, "minute": 58, "second": 21}
